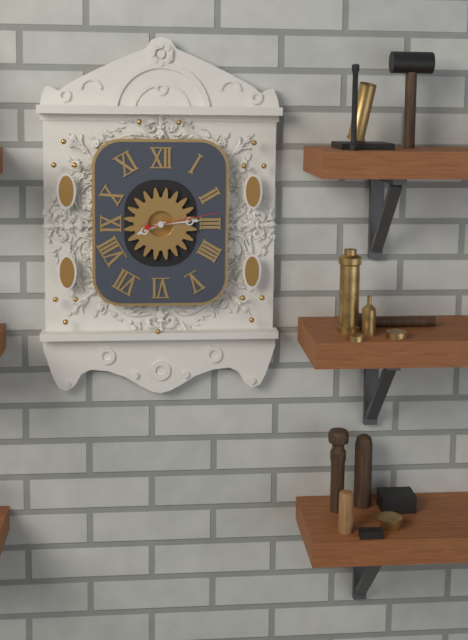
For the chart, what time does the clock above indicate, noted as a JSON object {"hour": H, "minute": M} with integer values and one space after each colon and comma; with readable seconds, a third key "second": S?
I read {"hour": 8, "minute": 14, "second": 13}
